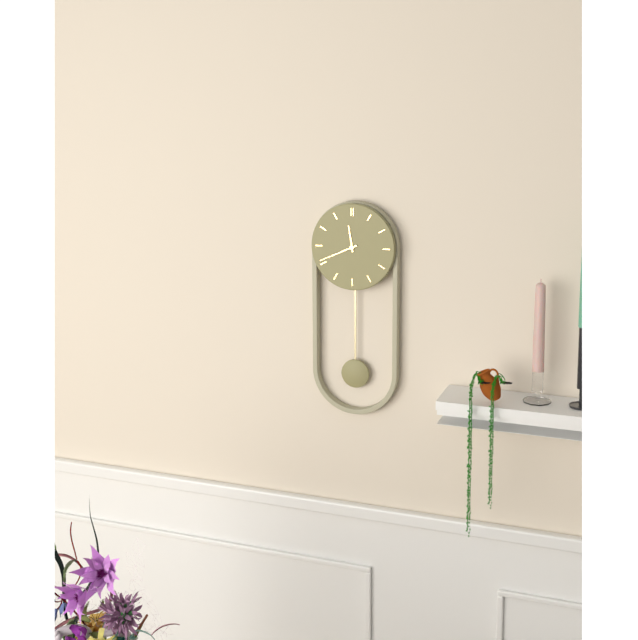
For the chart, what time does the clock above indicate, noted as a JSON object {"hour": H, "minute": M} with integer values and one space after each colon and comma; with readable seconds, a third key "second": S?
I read {"hour": 11, "minute": 41}
